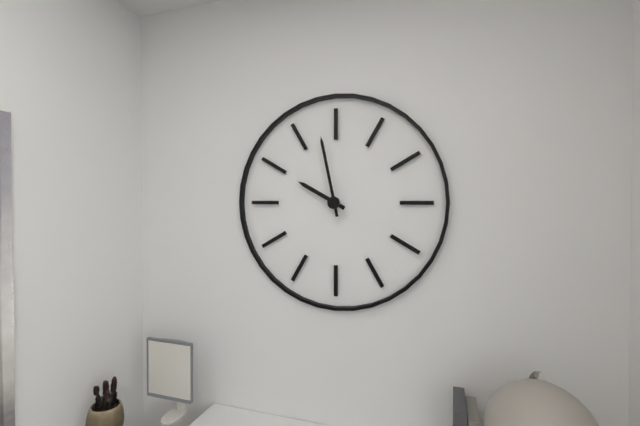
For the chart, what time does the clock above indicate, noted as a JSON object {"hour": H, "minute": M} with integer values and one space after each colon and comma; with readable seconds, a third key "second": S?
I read {"hour": 9, "minute": 58}
